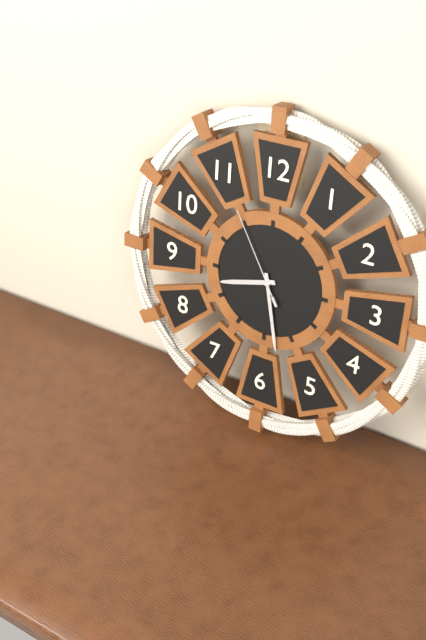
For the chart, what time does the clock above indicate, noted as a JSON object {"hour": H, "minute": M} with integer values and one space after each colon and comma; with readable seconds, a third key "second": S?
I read {"hour": 8, "minute": 28, "second": 55}
